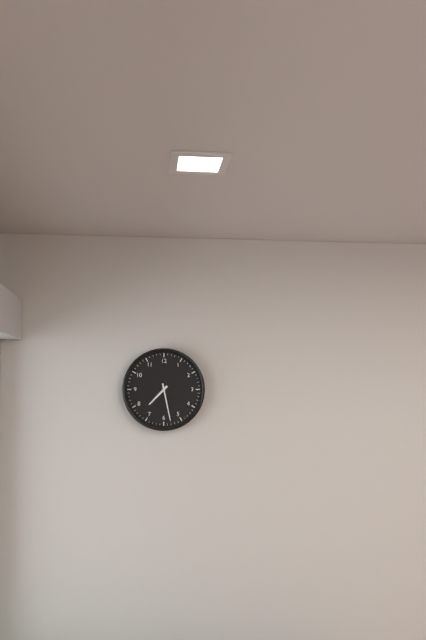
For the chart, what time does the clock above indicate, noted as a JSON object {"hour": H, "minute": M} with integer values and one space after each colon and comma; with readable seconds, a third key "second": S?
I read {"hour": 7, "minute": 28}
